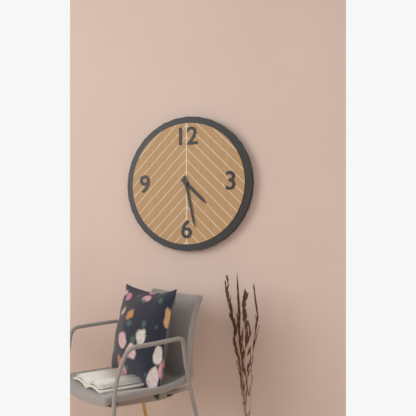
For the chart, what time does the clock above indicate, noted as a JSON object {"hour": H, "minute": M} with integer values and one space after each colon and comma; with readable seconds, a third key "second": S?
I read {"hour": 4, "minute": 28}
